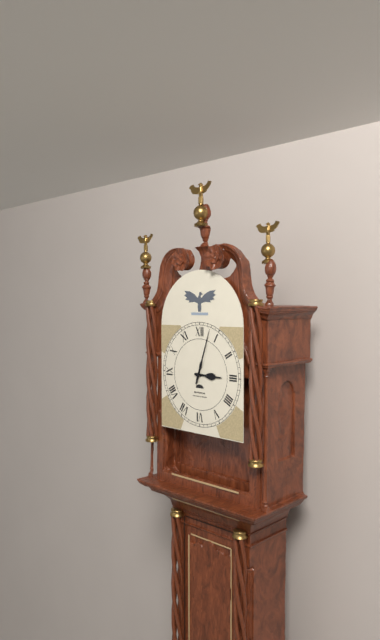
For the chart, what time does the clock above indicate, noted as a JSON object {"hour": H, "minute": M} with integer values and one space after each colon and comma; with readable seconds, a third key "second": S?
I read {"hour": 3, "minute": 3}
